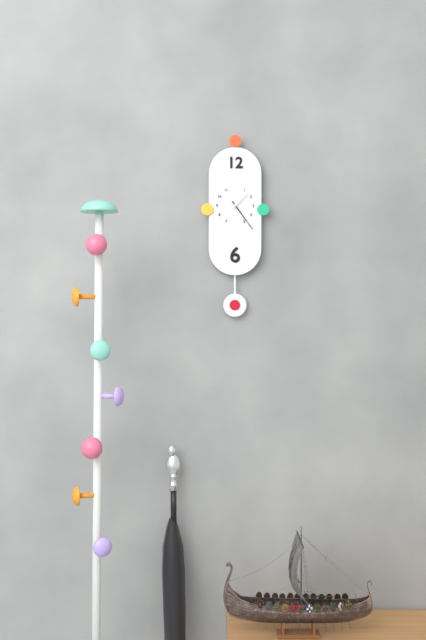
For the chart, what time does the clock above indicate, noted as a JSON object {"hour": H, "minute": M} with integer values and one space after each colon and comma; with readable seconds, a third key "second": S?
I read {"hour": 1, "minute": 24}
